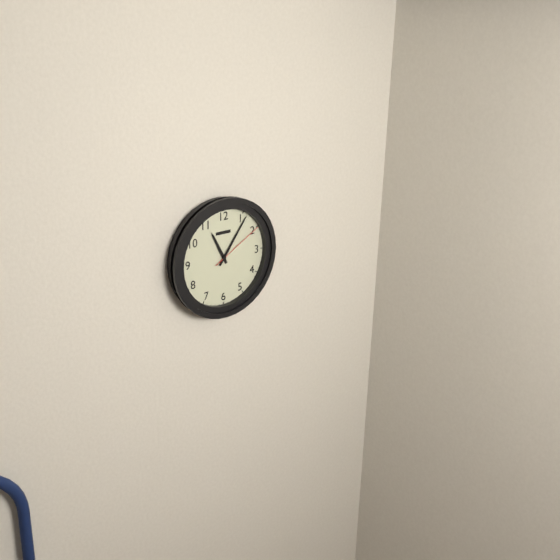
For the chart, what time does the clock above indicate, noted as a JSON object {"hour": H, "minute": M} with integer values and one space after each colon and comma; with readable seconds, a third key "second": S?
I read {"hour": 11, "minute": 6, "second": 10}
